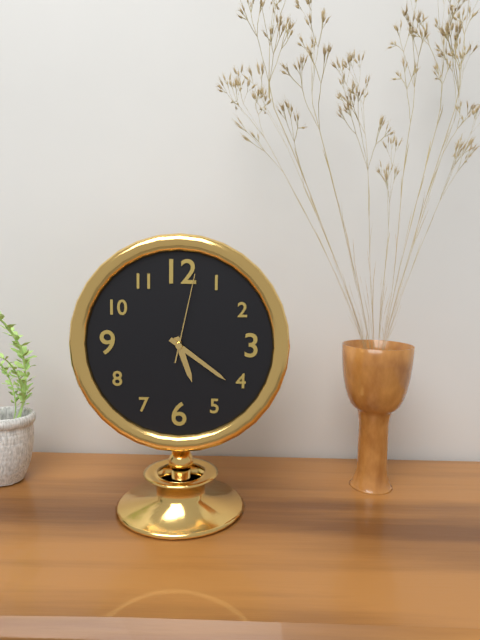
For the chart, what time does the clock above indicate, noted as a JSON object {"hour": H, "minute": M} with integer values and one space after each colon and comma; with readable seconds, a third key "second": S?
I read {"hour": 5, "minute": 21, "second": 2}
